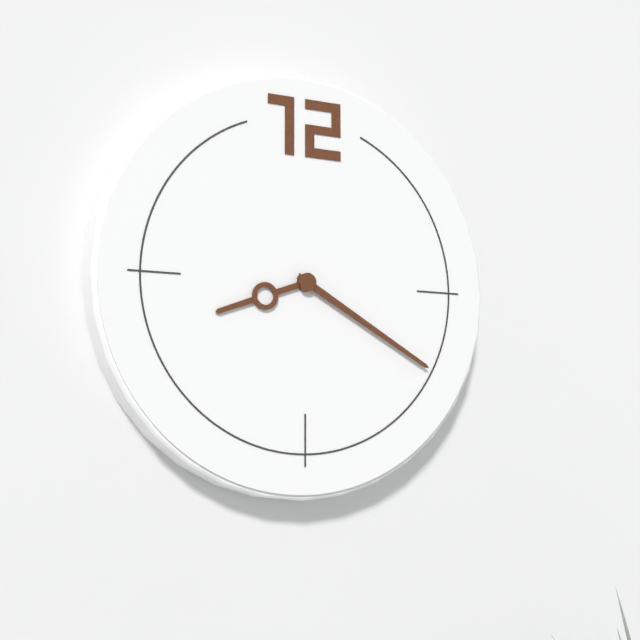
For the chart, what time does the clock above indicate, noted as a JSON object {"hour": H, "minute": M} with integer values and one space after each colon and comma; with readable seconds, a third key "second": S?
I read {"hour": 8, "minute": 20}
